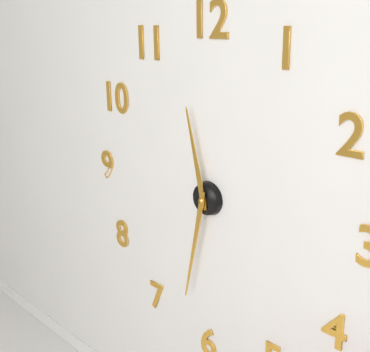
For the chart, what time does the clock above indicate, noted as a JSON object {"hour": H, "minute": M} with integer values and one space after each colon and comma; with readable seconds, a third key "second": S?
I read {"hour": 11, "minute": 32}
